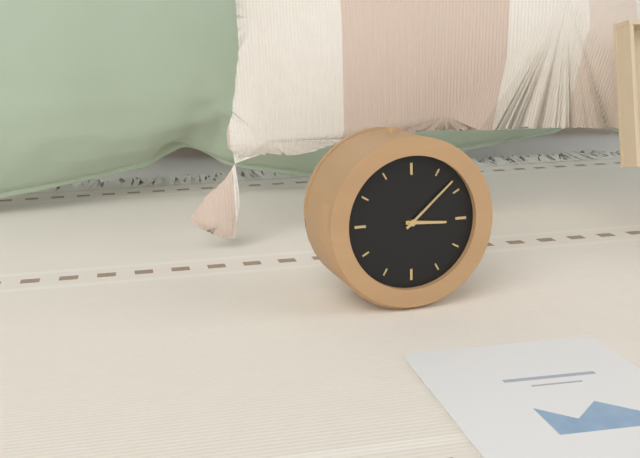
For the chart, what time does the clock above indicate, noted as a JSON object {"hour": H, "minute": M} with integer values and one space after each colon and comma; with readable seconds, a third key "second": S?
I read {"hour": 3, "minute": 8}
